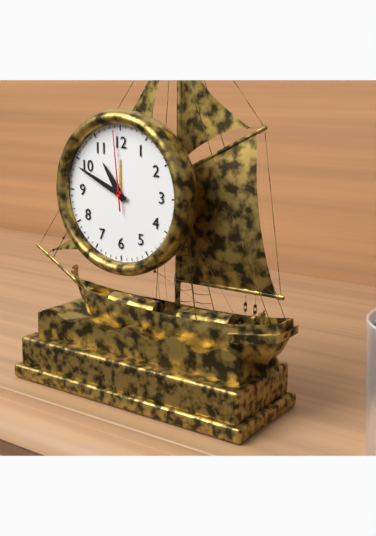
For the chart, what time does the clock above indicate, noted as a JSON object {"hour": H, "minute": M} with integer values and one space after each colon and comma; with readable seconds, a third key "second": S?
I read {"hour": 10, "minute": 49, "second": 59}
